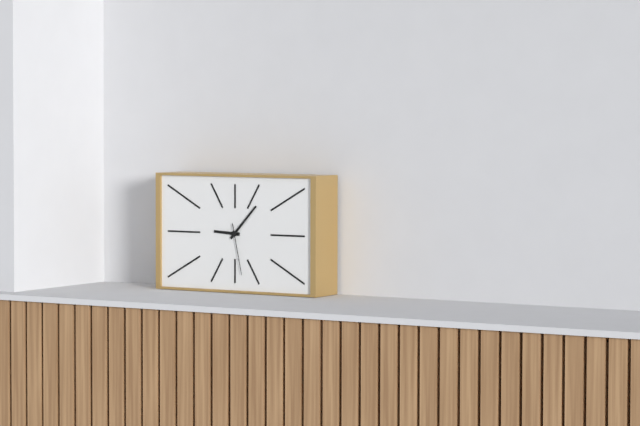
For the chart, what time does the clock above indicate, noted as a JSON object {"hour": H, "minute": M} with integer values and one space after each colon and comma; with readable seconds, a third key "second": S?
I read {"hour": 9, "minute": 7, "second": 28}
